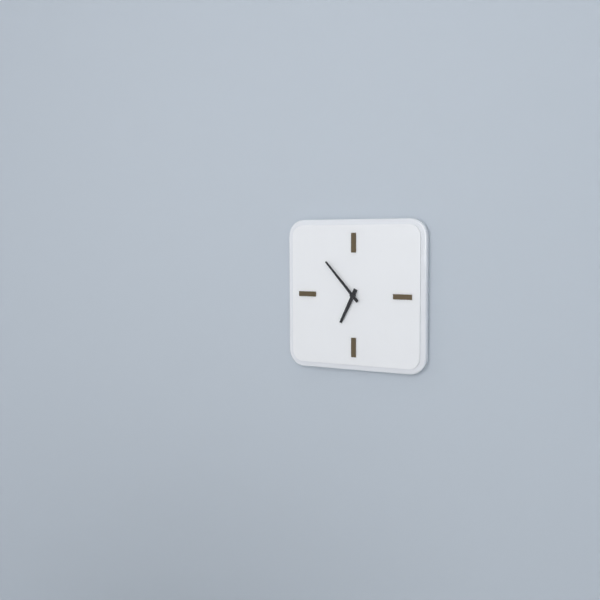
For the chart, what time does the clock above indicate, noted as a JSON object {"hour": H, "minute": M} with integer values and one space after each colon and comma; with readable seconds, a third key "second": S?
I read {"hour": 6, "minute": 53}
